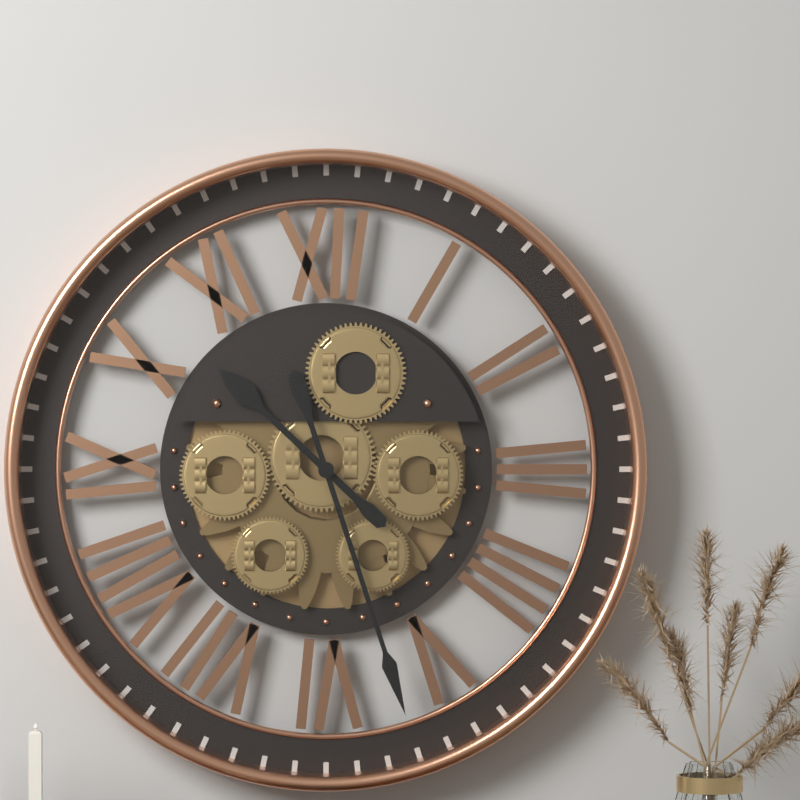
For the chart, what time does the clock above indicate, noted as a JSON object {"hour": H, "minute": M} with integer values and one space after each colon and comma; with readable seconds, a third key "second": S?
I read {"hour": 10, "minute": 27}
